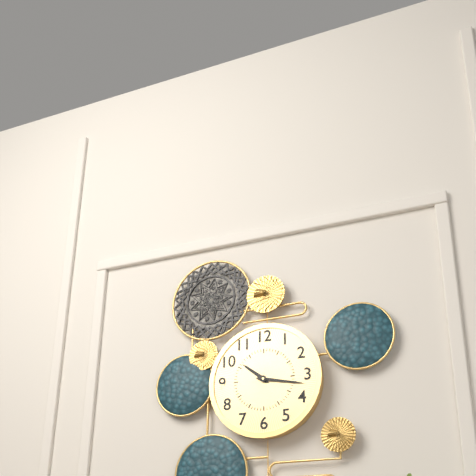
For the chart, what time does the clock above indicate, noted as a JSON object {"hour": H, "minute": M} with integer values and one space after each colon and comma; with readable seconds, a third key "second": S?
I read {"hour": 10, "minute": 17}
